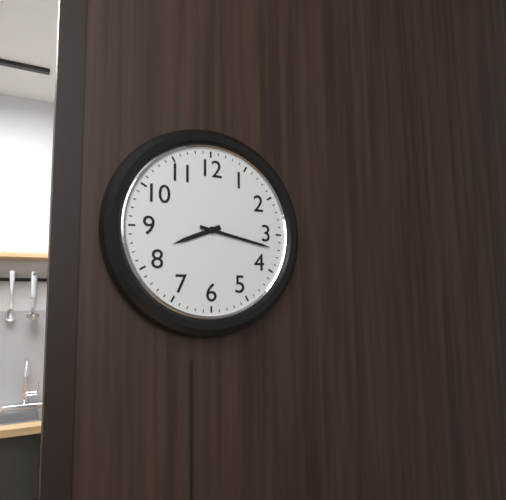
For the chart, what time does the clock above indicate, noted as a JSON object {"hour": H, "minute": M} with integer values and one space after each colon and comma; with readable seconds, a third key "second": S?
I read {"hour": 8, "minute": 17}
